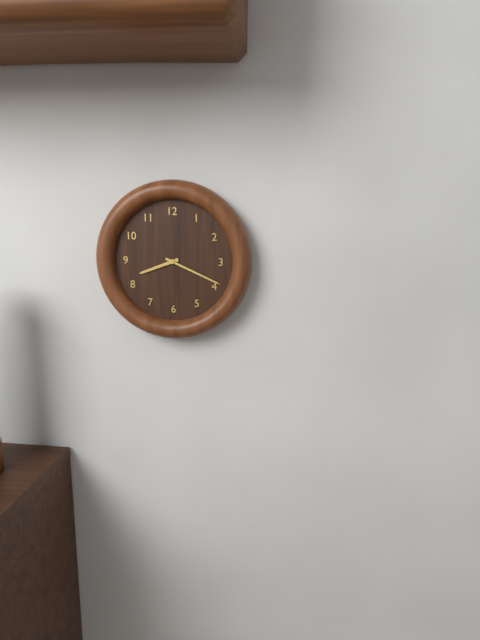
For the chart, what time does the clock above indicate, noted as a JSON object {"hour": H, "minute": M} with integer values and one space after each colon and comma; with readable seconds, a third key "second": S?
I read {"hour": 8, "minute": 19}
